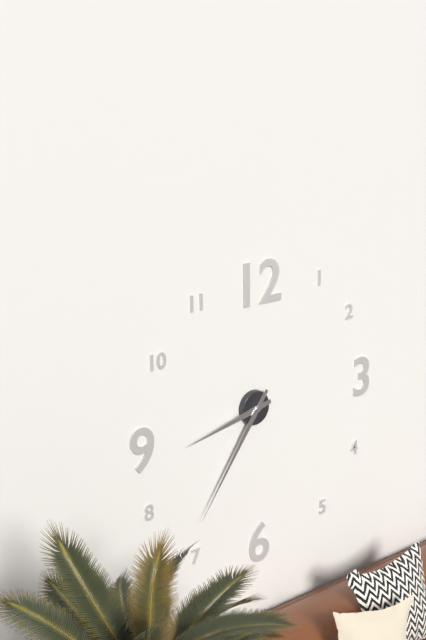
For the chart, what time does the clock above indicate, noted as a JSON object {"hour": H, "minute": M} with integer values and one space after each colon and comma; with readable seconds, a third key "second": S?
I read {"hour": 8, "minute": 36}
